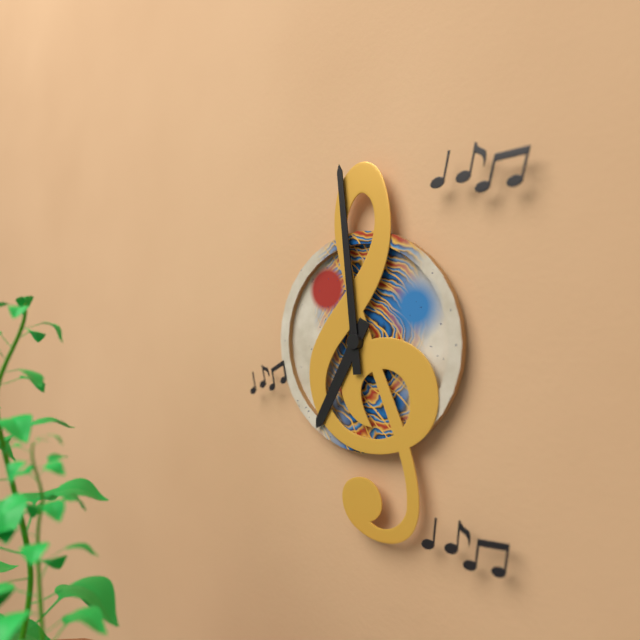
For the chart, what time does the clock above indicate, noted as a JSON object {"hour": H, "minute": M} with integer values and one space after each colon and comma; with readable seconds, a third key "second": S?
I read {"hour": 6, "minute": 59}
